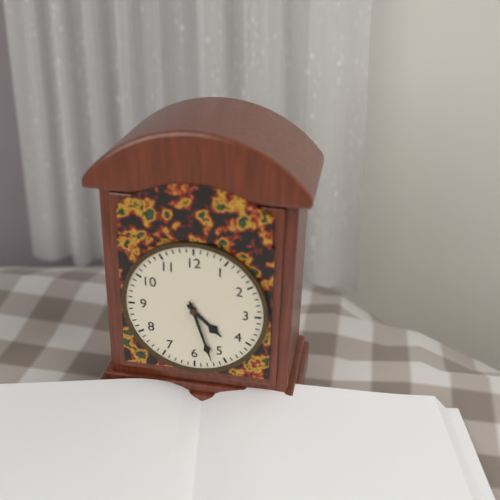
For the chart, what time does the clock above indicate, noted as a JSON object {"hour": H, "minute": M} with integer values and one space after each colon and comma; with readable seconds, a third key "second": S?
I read {"hour": 4, "minute": 27}
